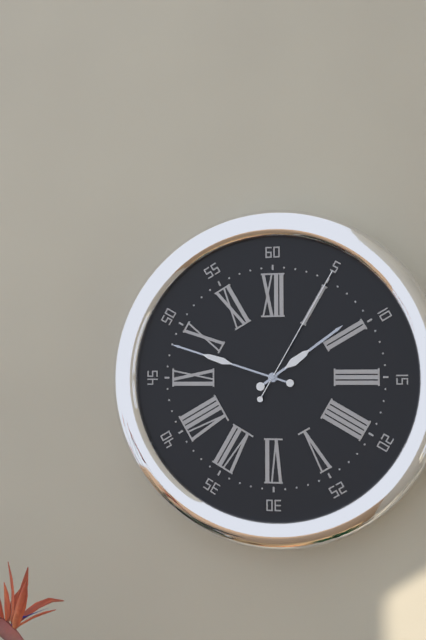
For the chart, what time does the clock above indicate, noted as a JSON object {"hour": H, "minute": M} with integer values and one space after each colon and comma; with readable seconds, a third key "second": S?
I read {"hour": 1, "minute": 48, "second": 5}
